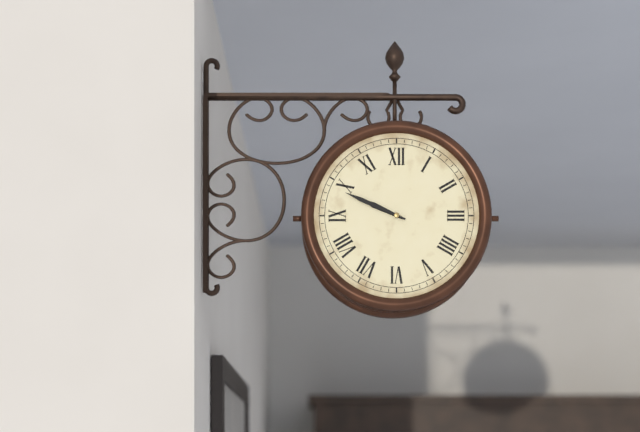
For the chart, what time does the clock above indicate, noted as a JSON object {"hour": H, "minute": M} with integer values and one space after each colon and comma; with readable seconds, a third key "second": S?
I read {"hour": 9, "minute": 49}
